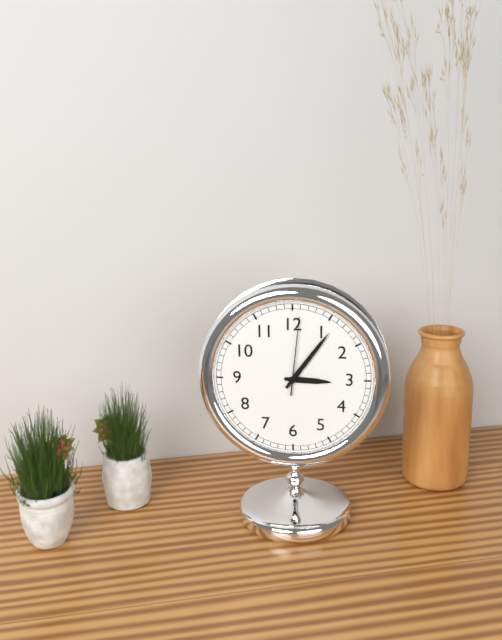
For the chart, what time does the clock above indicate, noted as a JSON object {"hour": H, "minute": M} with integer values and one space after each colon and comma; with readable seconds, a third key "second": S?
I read {"hour": 3, "minute": 6, "second": 1}
